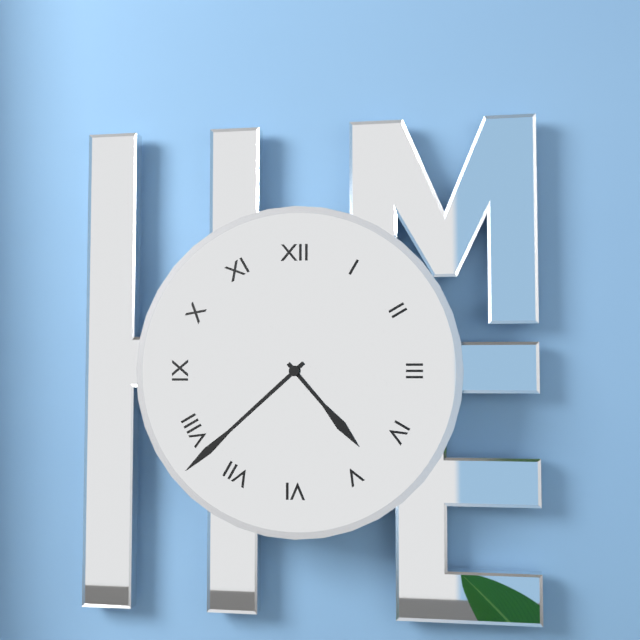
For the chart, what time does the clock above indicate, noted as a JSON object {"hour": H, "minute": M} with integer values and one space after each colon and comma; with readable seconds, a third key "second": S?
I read {"hour": 4, "minute": 38}
